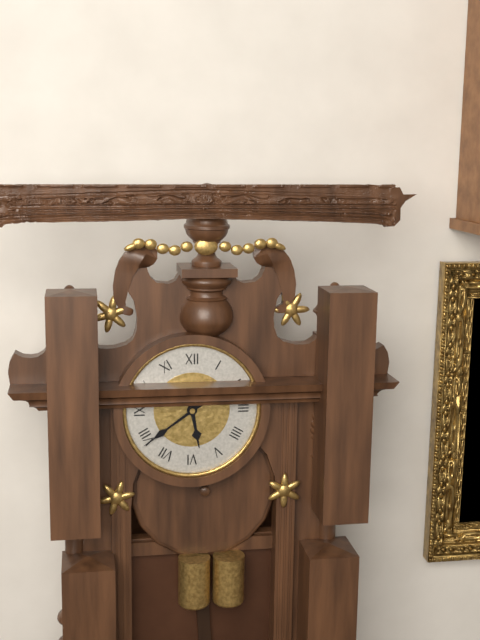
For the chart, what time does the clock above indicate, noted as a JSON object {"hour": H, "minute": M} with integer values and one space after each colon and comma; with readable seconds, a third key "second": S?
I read {"hour": 5, "minute": 39}
